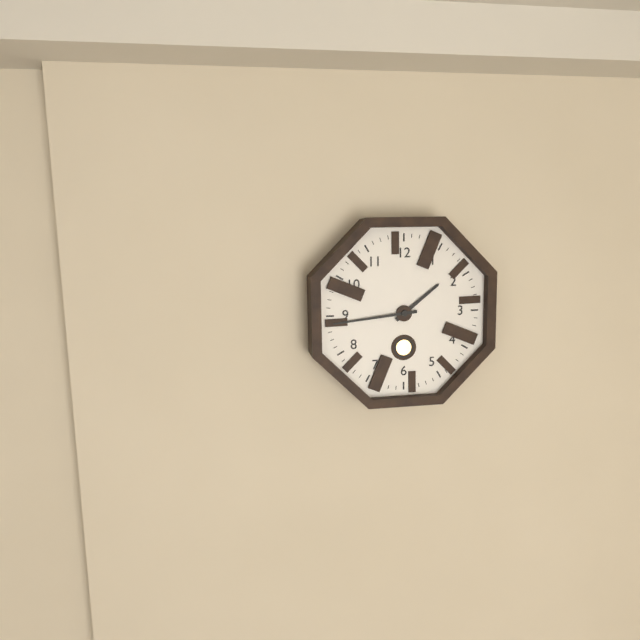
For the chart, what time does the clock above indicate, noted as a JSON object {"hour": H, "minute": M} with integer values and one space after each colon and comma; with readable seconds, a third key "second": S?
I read {"hour": 1, "minute": 44}
